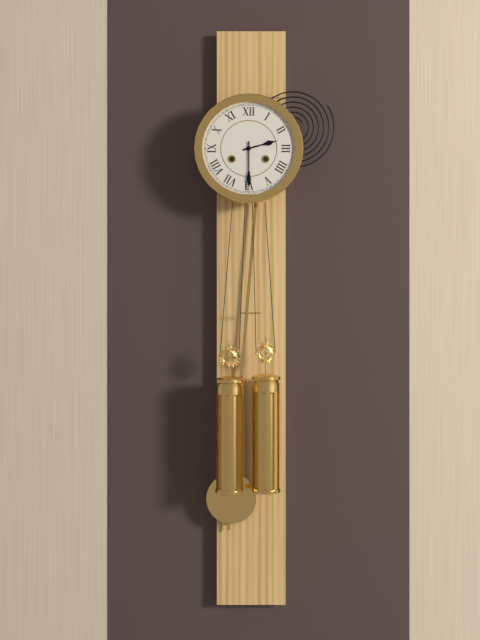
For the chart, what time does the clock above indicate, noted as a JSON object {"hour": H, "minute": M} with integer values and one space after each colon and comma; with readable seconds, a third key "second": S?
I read {"hour": 2, "minute": 30}
